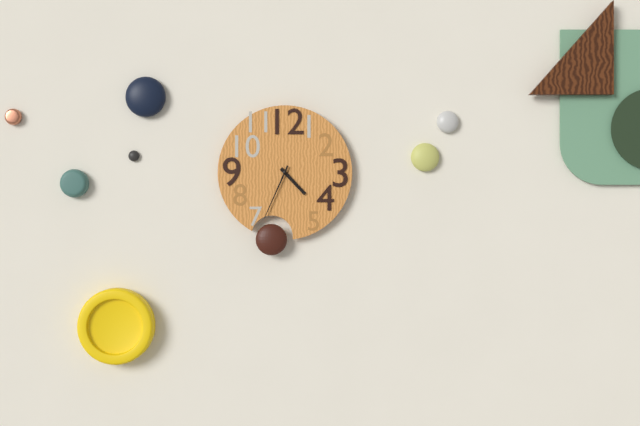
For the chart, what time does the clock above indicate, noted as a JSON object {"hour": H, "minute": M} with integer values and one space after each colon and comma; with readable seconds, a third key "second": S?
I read {"hour": 4, "minute": 34}
